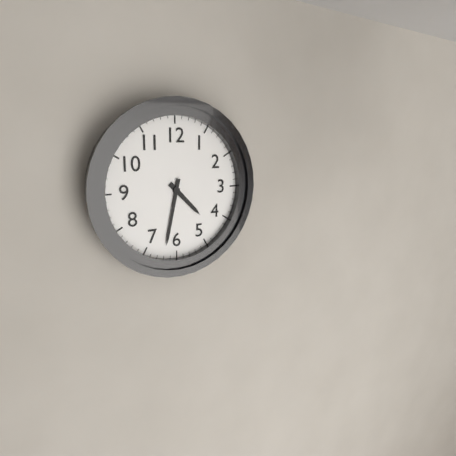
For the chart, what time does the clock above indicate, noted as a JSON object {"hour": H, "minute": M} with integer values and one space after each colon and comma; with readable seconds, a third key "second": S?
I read {"hour": 4, "minute": 32}
